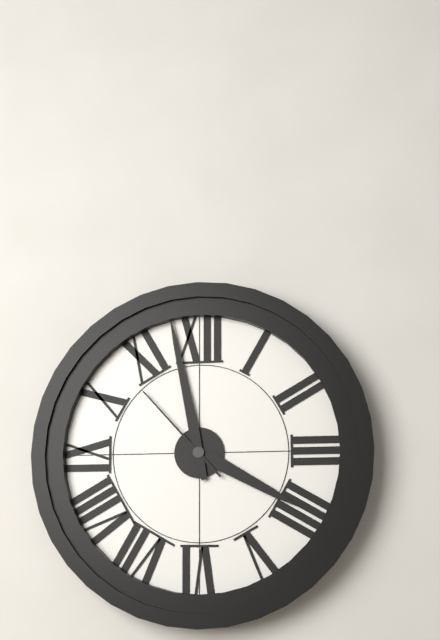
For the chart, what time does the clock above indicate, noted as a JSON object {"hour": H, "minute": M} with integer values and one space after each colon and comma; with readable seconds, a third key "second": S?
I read {"hour": 3, "minute": 58, "second": 53}
